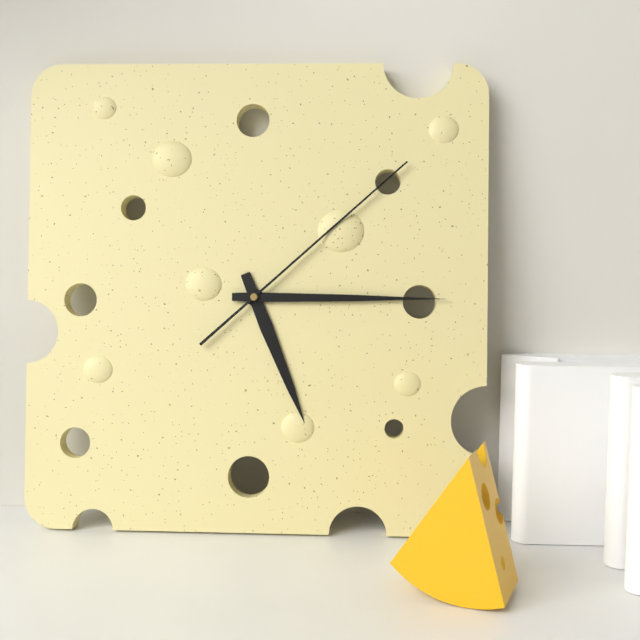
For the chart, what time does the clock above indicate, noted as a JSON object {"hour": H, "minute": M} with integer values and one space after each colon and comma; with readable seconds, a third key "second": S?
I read {"hour": 5, "minute": 15, "second": 8}
